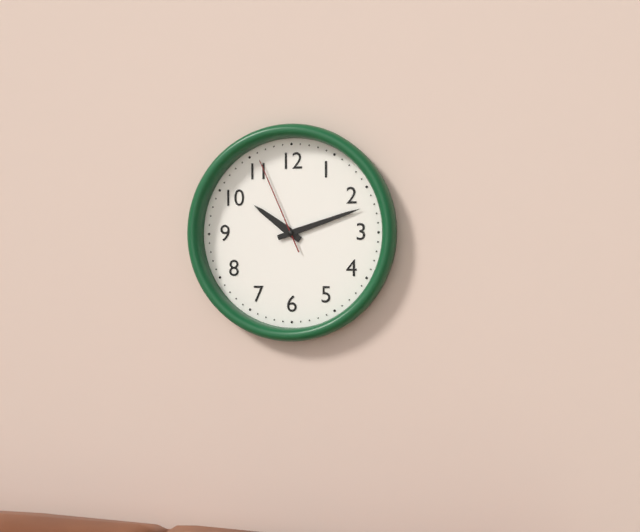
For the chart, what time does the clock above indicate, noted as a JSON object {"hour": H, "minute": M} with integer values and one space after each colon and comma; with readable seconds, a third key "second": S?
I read {"hour": 10, "minute": 12, "second": 56}
